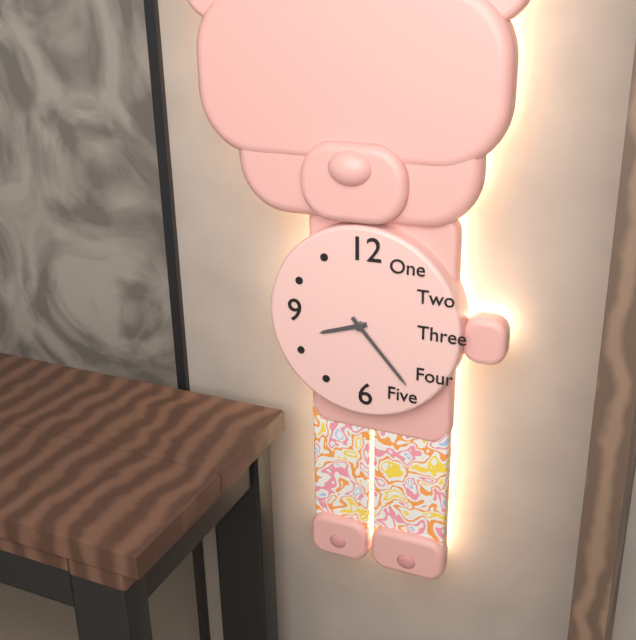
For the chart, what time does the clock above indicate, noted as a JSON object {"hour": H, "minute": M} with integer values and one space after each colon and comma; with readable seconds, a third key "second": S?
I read {"hour": 8, "minute": 23}
